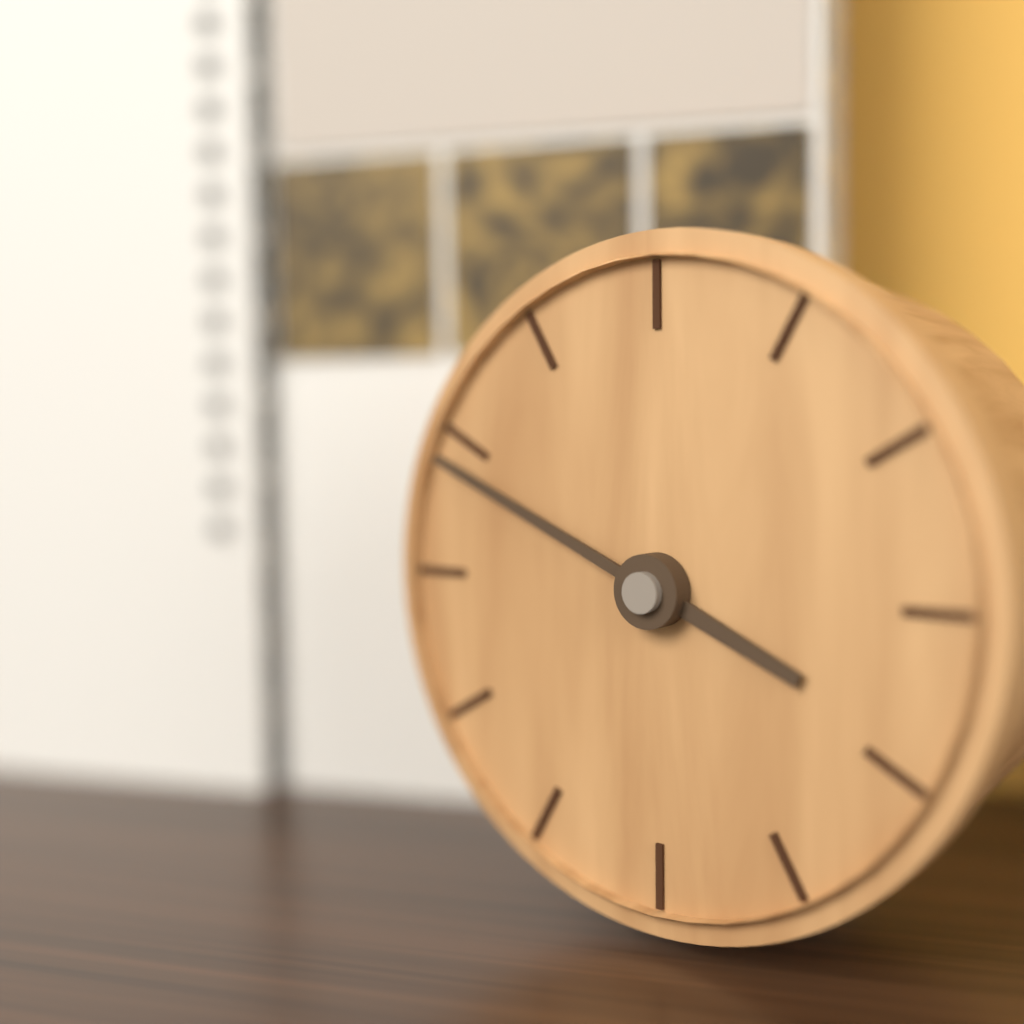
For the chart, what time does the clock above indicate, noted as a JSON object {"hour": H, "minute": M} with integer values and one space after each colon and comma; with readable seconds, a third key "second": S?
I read {"hour": 3, "minute": 49}
